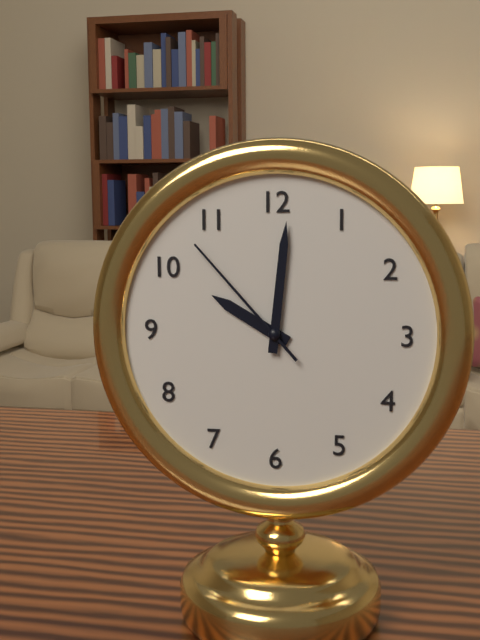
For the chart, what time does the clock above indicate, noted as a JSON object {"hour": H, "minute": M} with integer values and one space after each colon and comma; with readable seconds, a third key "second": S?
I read {"hour": 10, "minute": 1, "second": 53}
